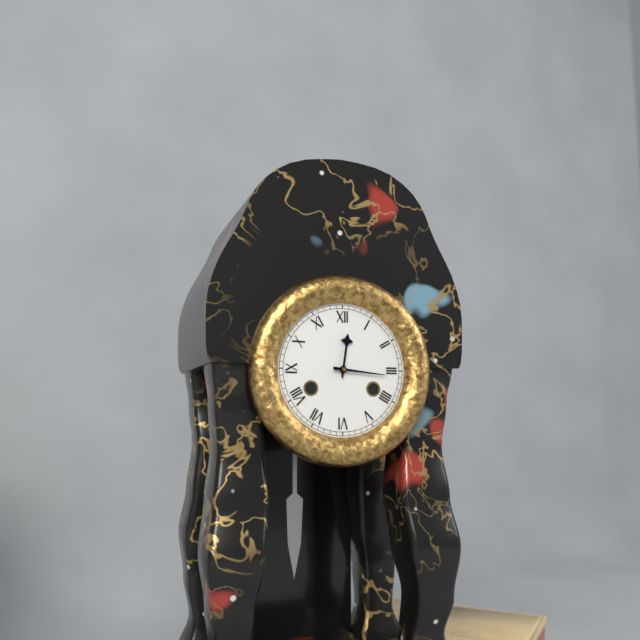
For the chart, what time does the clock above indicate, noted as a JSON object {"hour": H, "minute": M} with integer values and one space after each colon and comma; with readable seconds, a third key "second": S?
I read {"hour": 12, "minute": 16}
